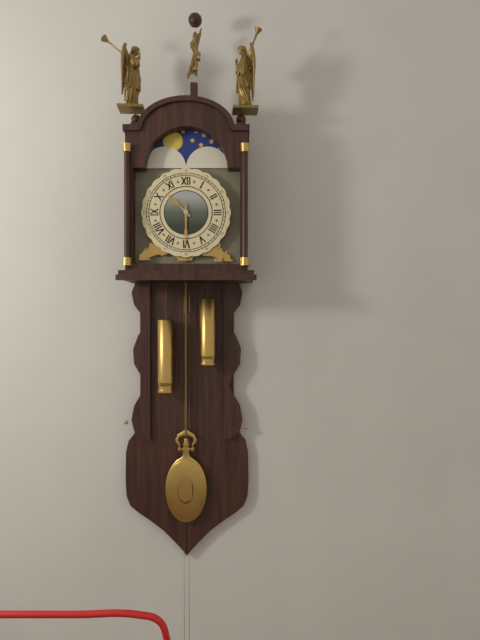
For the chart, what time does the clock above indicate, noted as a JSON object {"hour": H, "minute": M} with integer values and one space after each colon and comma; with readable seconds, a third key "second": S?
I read {"hour": 10, "minute": 30}
